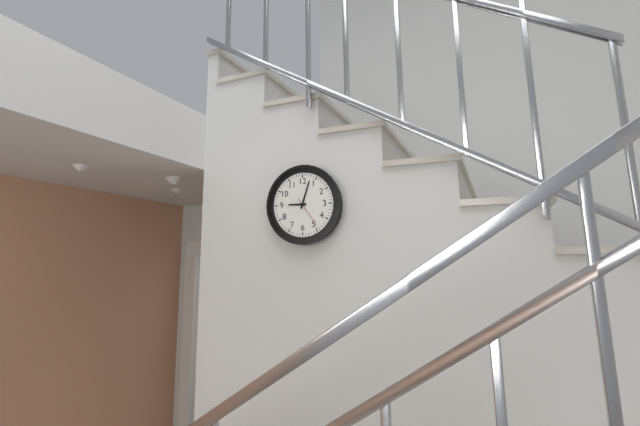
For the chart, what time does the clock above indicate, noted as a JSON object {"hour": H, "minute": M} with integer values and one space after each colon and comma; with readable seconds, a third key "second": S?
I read {"hour": 9, "minute": 3}
